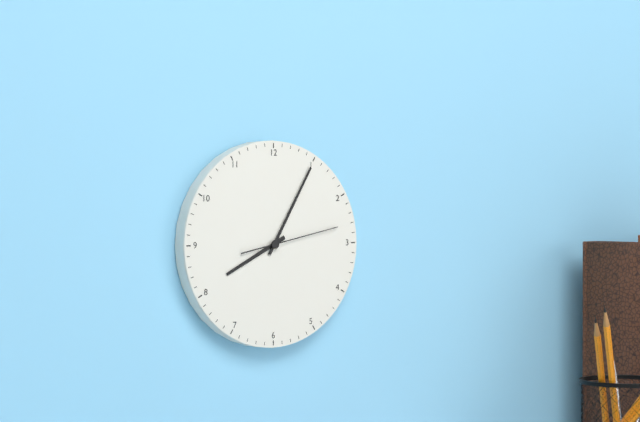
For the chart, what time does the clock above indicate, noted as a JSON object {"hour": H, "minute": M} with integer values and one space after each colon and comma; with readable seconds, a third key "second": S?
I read {"hour": 8, "minute": 5, "second": 13}
